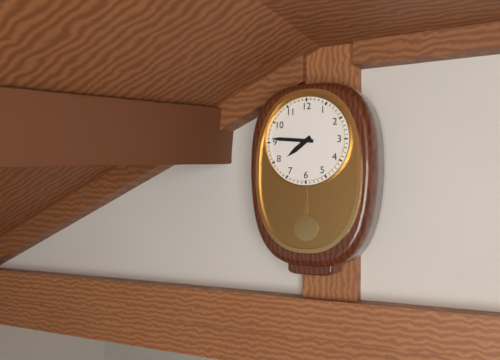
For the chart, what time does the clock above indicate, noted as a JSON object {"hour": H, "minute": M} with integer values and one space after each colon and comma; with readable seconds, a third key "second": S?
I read {"hour": 7, "minute": 46}
